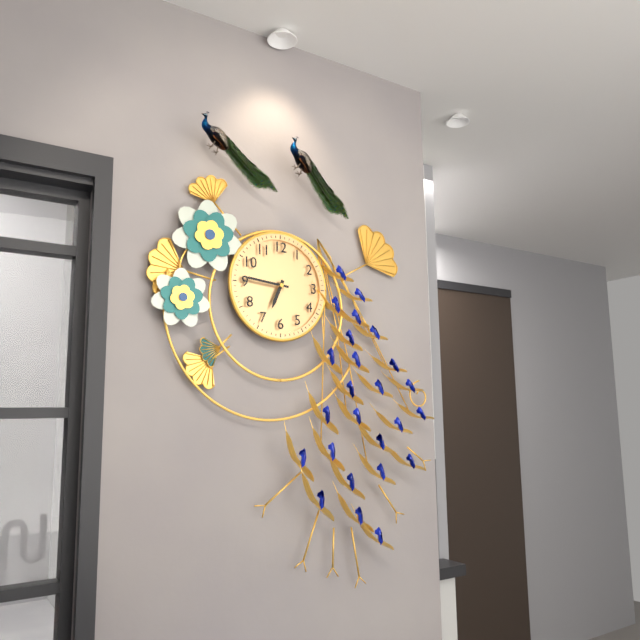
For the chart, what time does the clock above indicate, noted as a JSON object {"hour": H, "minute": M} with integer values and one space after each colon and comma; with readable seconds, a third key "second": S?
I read {"hour": 6, "minute": 46}
